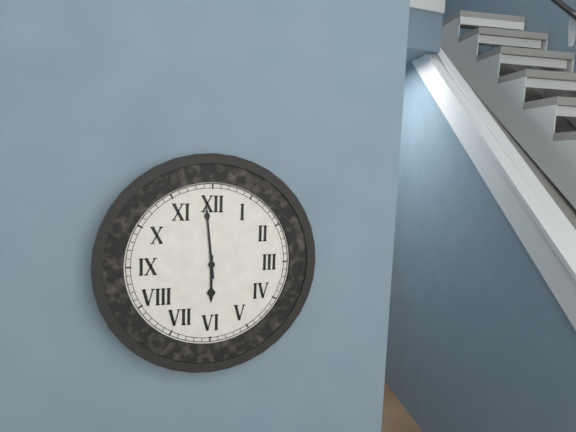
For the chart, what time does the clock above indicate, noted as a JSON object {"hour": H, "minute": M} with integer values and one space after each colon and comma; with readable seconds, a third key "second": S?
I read {"hour": 5, "minute": 59}
